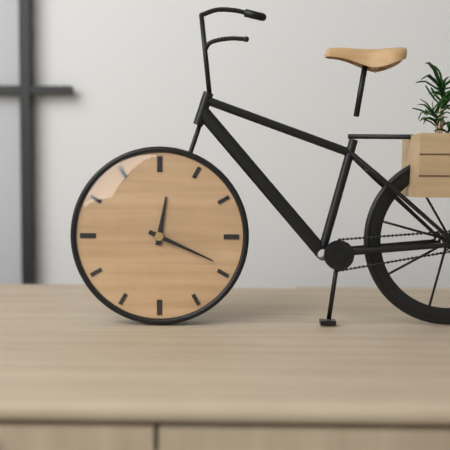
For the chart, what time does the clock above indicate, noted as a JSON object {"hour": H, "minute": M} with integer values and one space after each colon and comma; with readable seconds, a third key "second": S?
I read {"hour": 12, "minute": 19}
